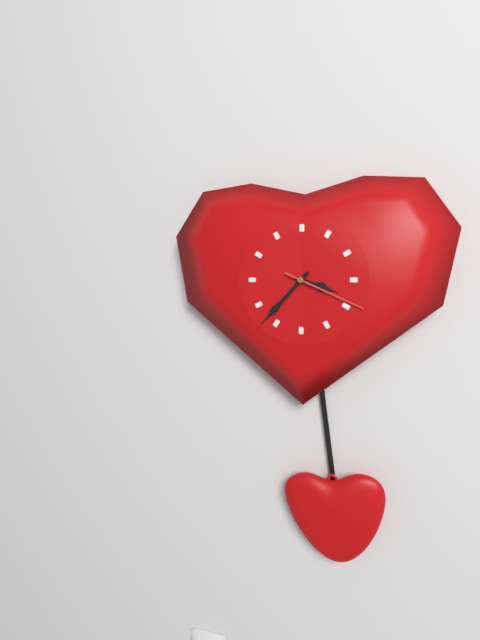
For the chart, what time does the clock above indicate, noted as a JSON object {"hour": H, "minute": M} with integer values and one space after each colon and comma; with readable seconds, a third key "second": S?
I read {"hour": 3, "minute": 37, "second": 19}
